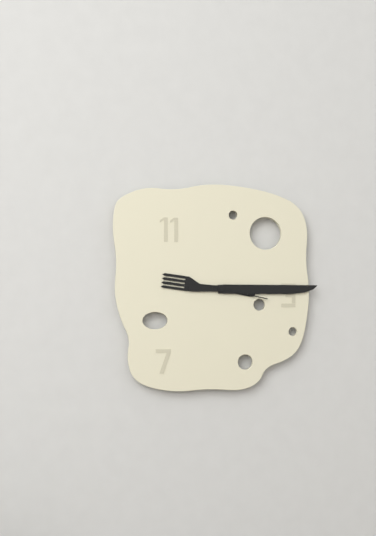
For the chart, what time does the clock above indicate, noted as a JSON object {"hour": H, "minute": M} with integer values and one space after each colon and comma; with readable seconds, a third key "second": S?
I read {"hour": 9, "minute": 15, "second": 17}
